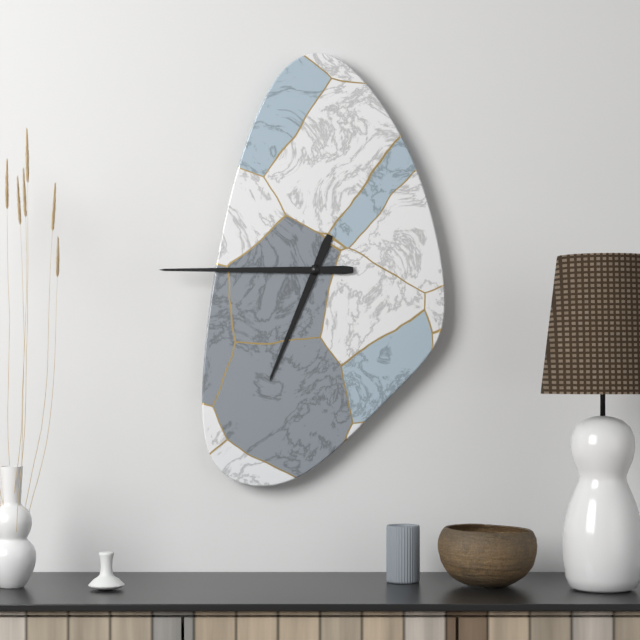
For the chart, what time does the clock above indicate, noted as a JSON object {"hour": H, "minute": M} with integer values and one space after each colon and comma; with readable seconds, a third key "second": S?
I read {"hour": 6, "minute": 45}
